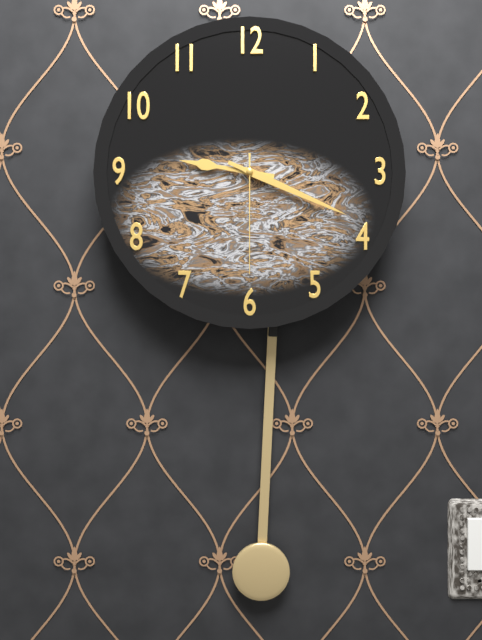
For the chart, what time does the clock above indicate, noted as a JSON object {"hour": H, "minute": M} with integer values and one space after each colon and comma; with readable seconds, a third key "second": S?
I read {"hour": 9, "minute": 19, "second": 30}
